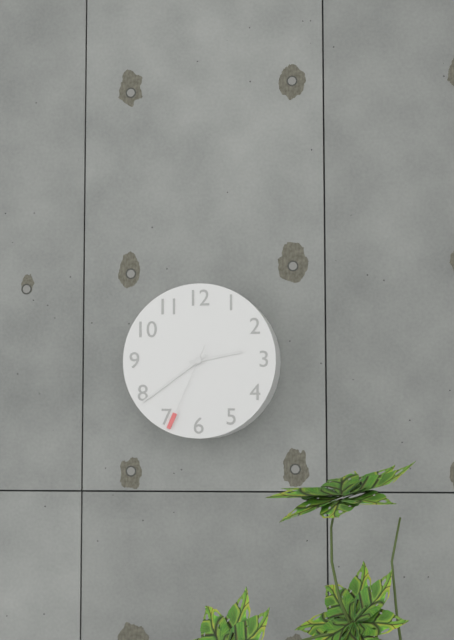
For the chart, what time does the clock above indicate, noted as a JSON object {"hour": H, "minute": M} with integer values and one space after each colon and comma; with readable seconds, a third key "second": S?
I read {"hour": 2, "minute": 39, "second": 34}
